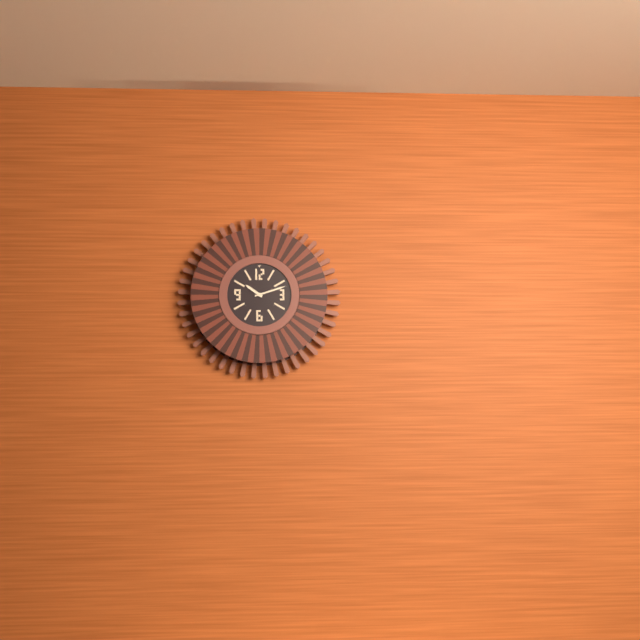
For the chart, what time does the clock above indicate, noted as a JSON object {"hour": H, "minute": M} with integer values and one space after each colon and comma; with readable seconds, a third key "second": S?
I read {"hour": 10, "minute": 12}
